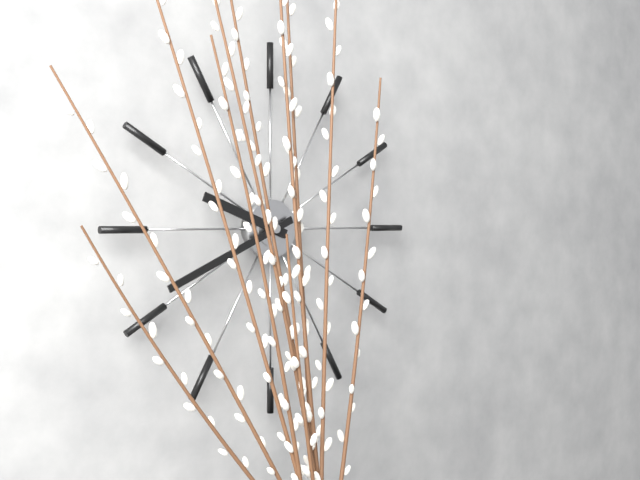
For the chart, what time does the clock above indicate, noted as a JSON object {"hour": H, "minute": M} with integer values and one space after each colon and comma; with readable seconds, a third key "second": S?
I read {"hour": 9, "minute": 41}
